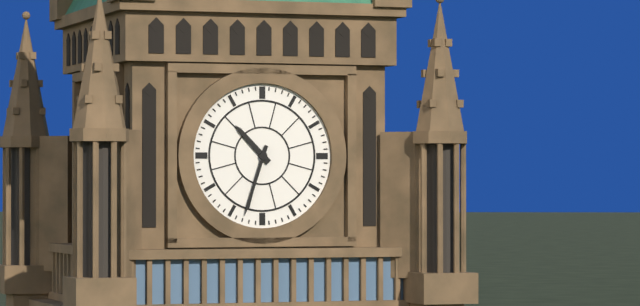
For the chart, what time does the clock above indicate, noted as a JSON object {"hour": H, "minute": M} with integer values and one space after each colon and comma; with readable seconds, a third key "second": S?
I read {"hour": 10, "minute": 33}
